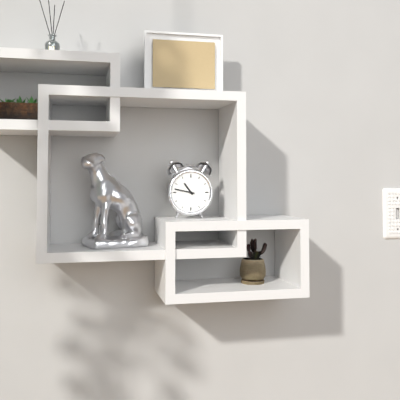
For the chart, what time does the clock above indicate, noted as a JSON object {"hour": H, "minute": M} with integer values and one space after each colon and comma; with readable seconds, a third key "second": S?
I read {"hour": 10, "minute": 47}
